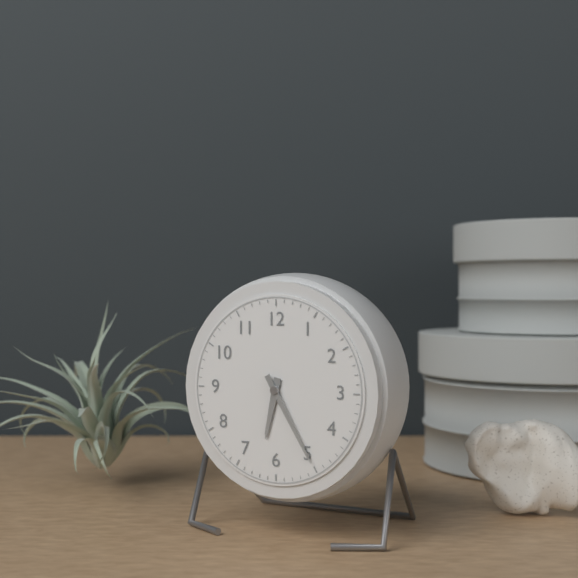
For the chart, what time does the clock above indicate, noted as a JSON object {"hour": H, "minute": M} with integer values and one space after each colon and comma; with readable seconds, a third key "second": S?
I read {"hour": 6, "minute": 25}
